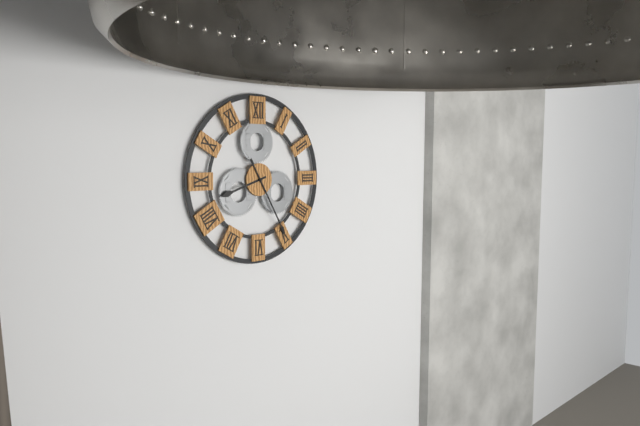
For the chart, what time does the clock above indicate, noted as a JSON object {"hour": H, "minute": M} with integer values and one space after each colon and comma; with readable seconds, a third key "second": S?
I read {"hour": 8, "minute": 25}
